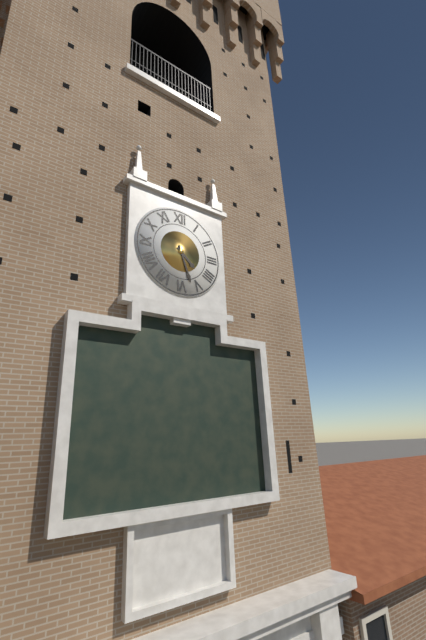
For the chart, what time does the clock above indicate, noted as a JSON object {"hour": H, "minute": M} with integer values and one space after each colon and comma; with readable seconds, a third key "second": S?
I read {"hour": 4, "minute": 27}
